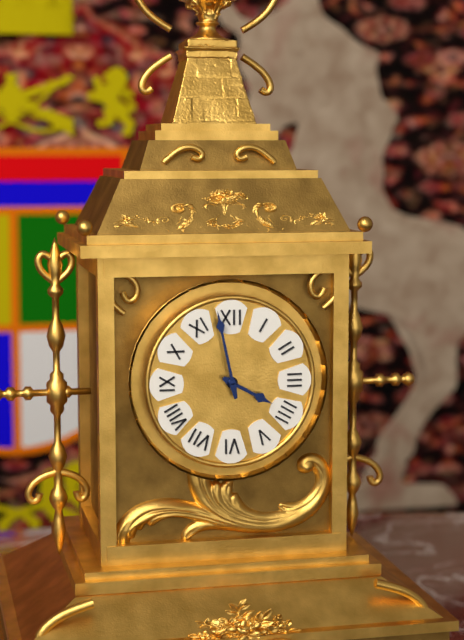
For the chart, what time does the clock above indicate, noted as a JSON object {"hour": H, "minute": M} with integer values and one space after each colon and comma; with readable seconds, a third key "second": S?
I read {"hour": 3, "minute": 58}
